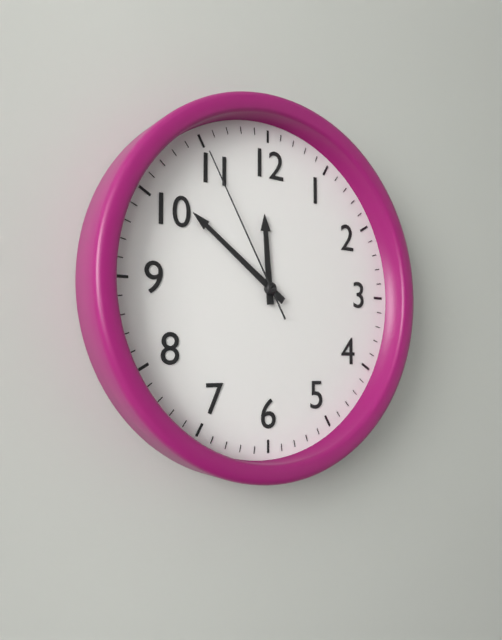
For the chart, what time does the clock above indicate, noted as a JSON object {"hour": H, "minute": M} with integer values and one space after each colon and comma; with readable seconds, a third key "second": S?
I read {"hour": 11, "minute": 51, "second": 55}
